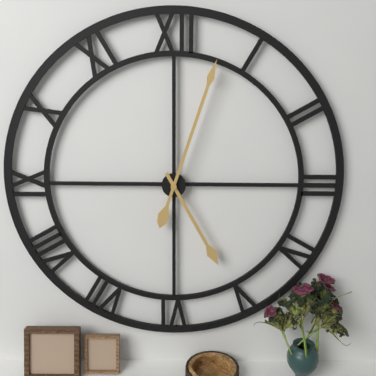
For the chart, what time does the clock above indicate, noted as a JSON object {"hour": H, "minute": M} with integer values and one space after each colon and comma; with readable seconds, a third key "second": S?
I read {"hour": 5, "minute": 3}
